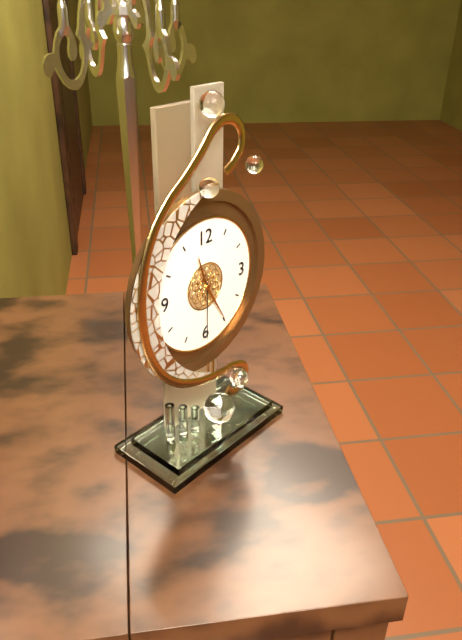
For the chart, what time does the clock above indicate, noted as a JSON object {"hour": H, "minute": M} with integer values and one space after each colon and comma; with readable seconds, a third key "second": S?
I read {"hour": 11, "minute": 25, "second": 30}
